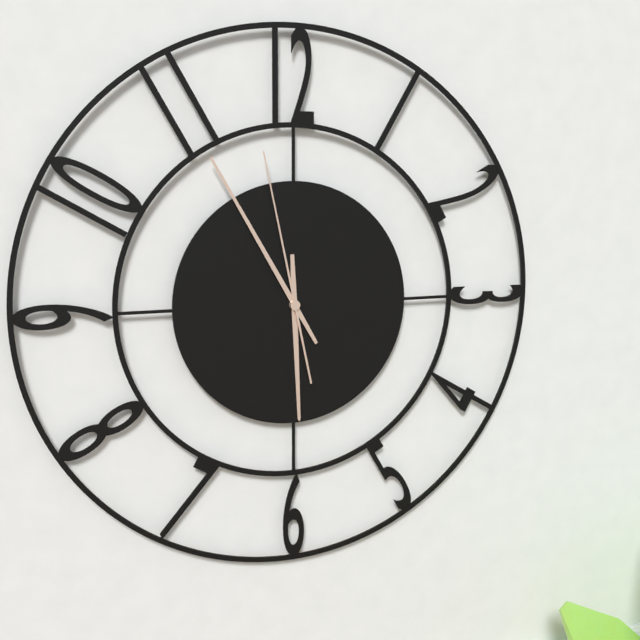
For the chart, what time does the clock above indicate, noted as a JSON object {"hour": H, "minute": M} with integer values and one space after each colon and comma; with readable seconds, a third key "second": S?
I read {"hour": 5, "minute": 55, "second": 58}
